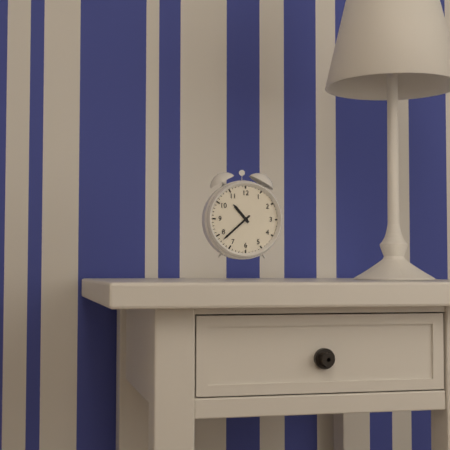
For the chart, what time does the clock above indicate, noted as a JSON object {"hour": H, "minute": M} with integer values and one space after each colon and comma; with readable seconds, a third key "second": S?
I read {"hour": 10, "minute": 38}
